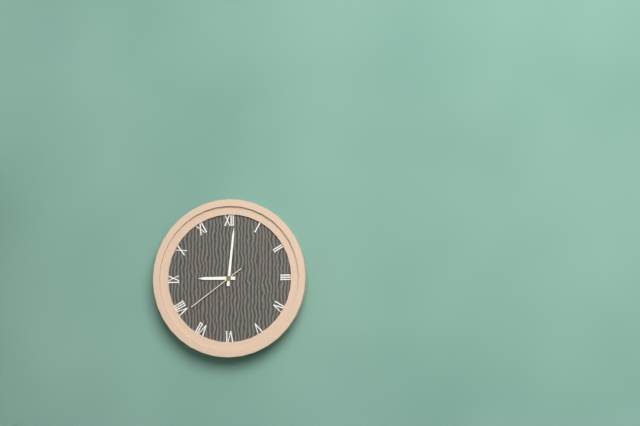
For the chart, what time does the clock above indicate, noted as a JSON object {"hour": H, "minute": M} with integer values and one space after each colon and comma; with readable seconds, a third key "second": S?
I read {"hour": 9, "minute": 1, "second": 39}
